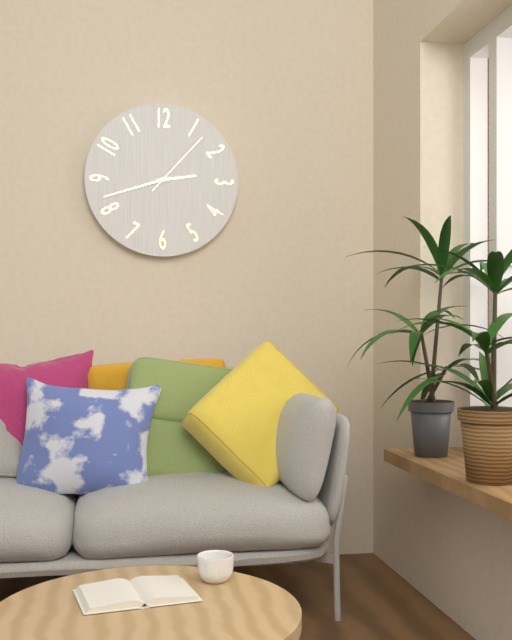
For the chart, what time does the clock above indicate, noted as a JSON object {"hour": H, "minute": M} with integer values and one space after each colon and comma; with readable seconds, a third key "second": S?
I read {"hour": 2, "minute": 42, "second": 7}
